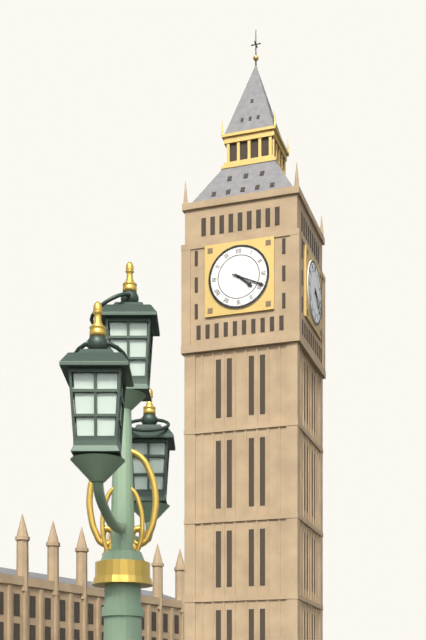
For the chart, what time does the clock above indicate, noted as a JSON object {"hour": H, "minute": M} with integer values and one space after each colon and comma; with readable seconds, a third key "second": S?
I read {"hour": 4, "minute": 19}
